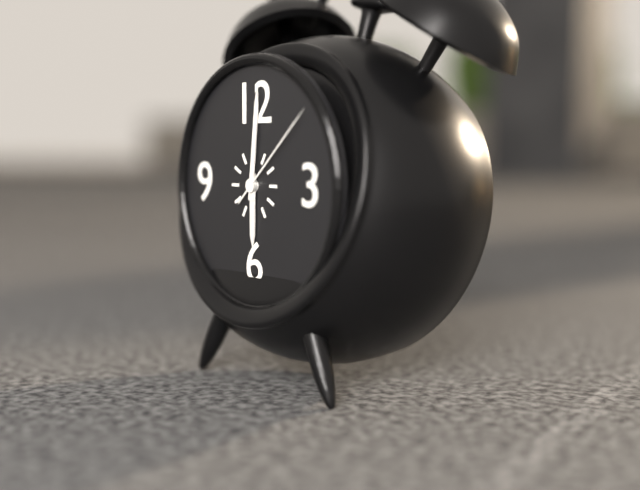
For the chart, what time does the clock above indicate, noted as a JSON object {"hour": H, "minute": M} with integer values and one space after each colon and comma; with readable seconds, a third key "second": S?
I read {"hour": 6, "minute": 1, "second": 8}
